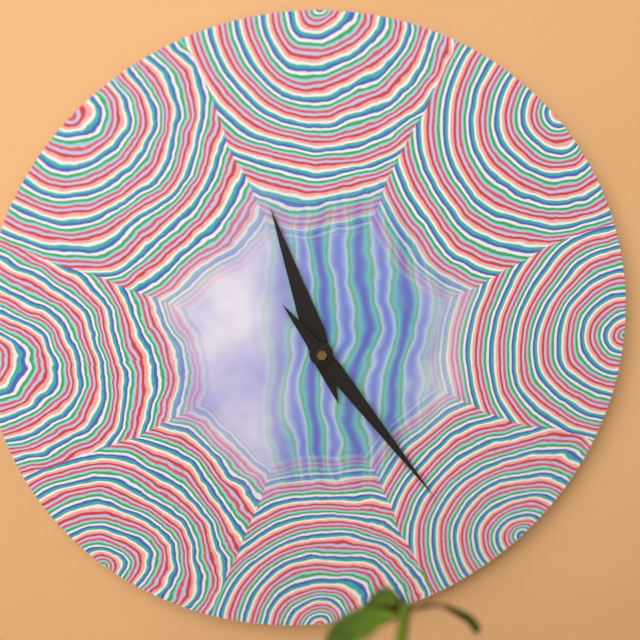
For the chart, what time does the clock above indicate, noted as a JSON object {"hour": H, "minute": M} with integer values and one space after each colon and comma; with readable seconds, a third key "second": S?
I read {"hour": 11, "minute": 24}
